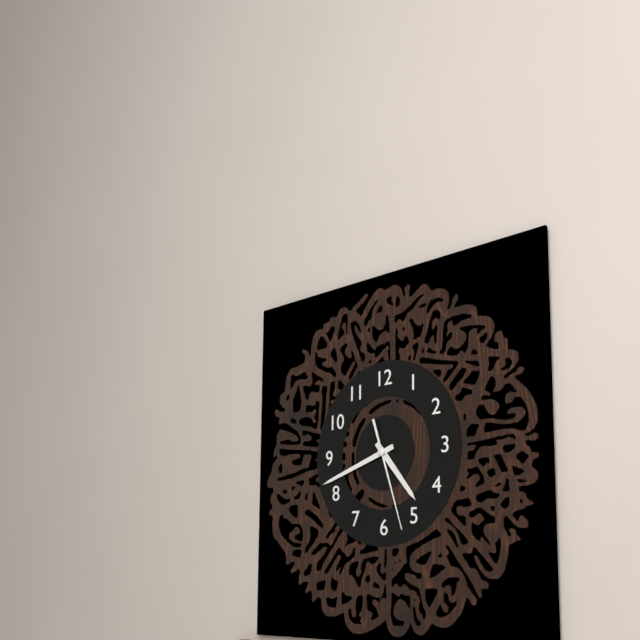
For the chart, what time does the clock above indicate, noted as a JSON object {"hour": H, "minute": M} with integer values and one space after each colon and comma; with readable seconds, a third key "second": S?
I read {"hour": 4, "minute": 42, "second": 27}
